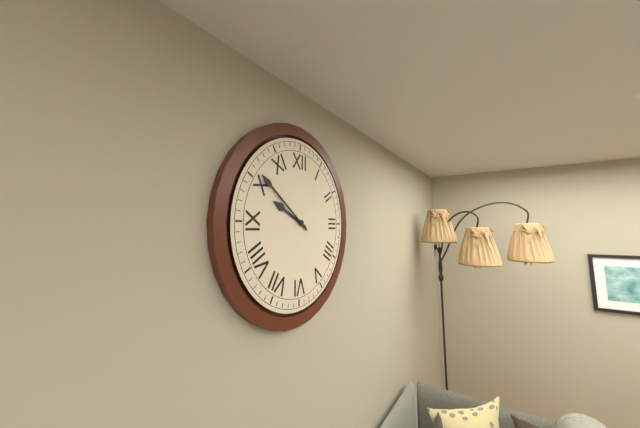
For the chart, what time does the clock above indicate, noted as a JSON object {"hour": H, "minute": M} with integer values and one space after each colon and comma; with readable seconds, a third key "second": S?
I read {"hour": 9, "minute": 51}
